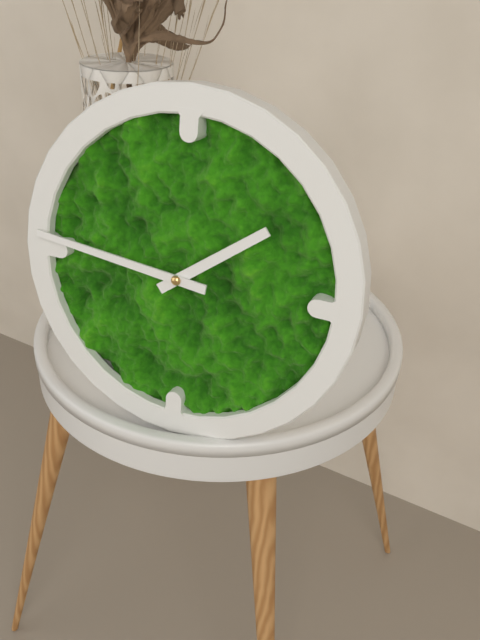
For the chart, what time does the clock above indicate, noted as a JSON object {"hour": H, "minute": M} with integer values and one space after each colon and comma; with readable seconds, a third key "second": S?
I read {"hour": 1, "minute": 46}
